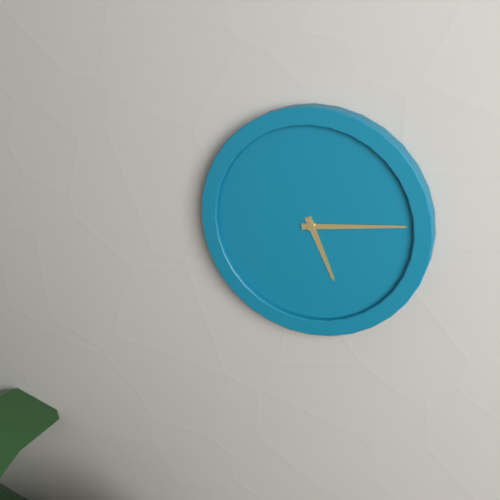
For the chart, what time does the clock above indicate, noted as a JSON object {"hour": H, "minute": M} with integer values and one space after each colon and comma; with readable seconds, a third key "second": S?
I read {"hour": 5, "minute": 14}
